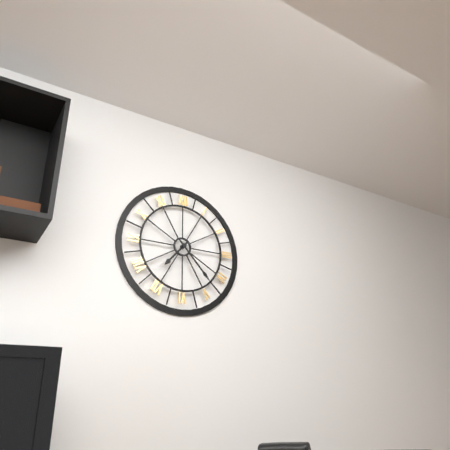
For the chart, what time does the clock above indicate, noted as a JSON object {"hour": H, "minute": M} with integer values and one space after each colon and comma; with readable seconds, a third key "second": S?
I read {"hour": 7, "minute": 23}
